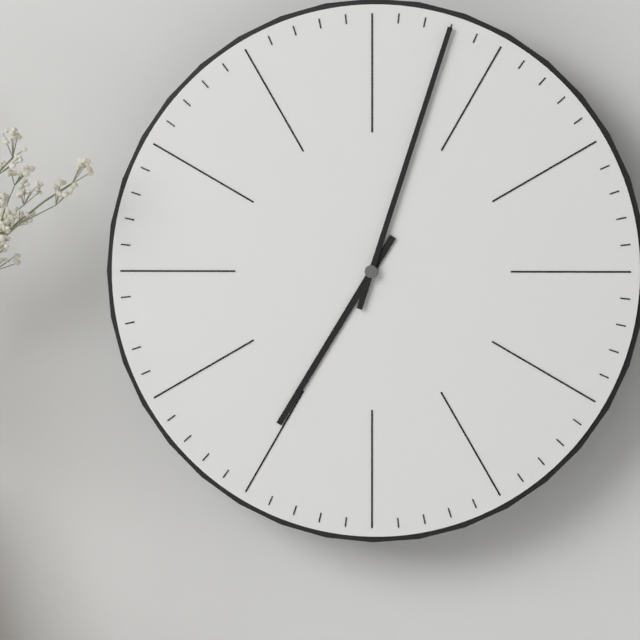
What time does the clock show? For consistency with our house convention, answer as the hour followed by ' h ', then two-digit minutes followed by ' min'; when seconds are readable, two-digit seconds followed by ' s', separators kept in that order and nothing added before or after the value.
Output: 7 h 03 min
